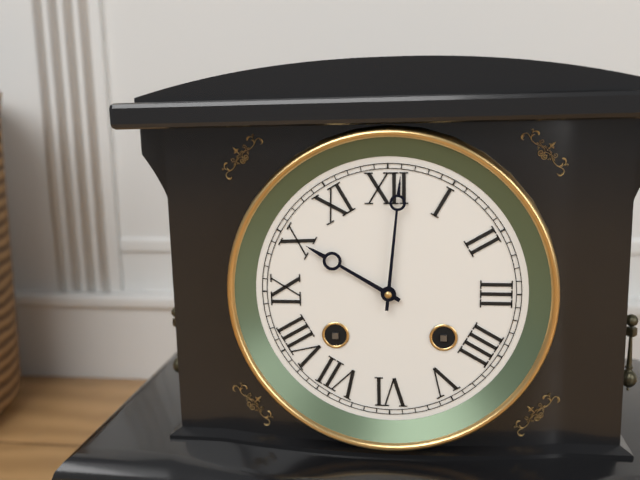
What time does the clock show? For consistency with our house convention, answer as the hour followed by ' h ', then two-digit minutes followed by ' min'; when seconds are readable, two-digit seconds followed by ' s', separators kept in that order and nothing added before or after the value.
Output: 10 h 01 min
